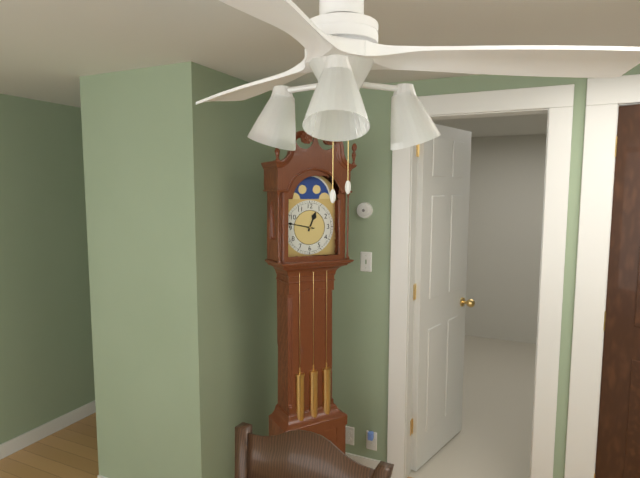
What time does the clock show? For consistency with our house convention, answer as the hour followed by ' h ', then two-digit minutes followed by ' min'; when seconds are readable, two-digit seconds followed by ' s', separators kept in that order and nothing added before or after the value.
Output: 12 h 47 min
